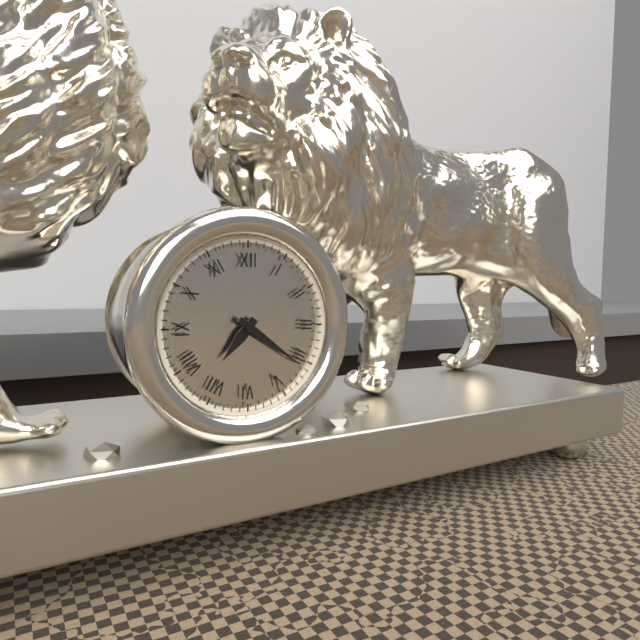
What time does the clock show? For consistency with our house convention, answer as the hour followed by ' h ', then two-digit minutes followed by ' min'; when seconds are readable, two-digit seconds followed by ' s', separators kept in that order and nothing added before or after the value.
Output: 7 h 21 min
